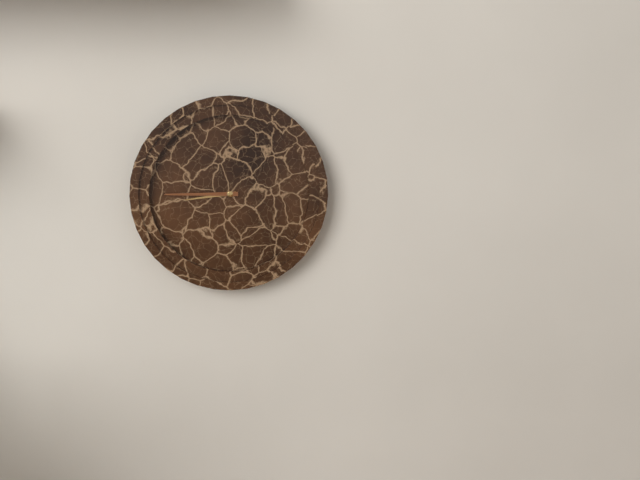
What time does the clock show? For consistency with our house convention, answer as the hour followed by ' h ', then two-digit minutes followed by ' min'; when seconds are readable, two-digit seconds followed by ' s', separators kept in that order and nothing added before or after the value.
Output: 8 h 45 min
